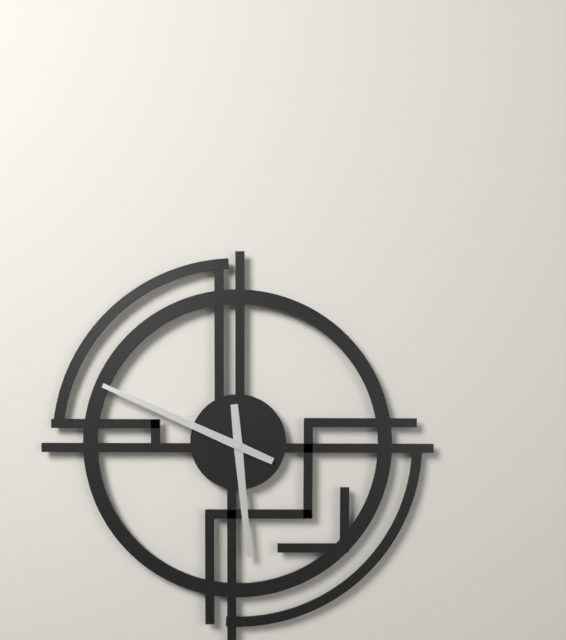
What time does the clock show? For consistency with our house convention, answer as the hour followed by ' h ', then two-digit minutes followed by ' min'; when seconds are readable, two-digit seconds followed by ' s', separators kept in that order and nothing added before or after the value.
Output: 5 h 49 min
